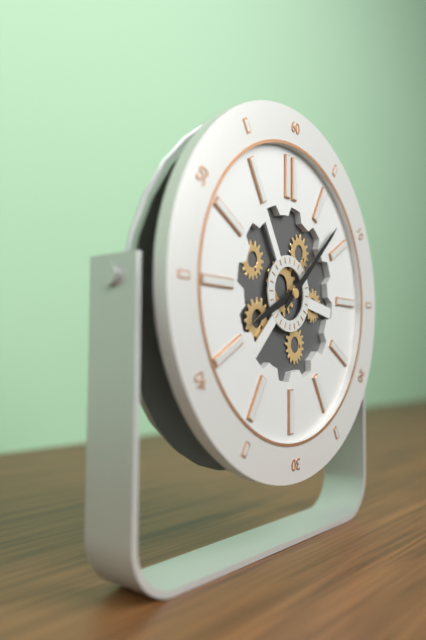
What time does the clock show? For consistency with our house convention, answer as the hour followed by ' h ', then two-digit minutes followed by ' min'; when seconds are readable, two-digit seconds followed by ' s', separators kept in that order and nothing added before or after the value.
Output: 8 h 08 min
